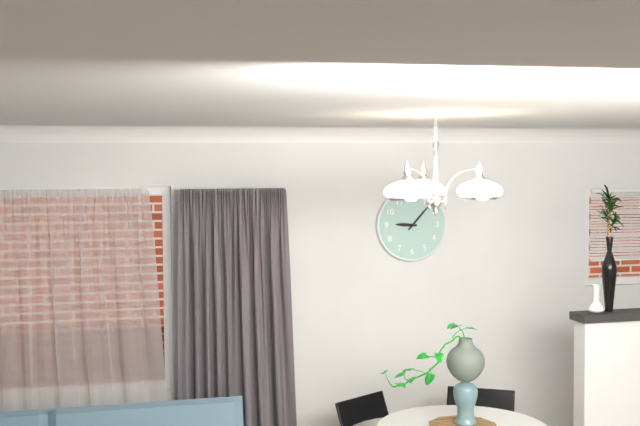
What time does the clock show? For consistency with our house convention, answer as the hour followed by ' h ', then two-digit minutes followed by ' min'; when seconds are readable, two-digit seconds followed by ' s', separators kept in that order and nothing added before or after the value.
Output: 9 h 07 min
